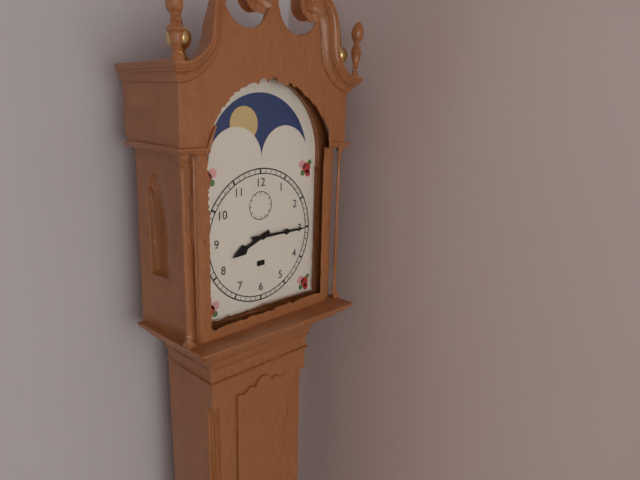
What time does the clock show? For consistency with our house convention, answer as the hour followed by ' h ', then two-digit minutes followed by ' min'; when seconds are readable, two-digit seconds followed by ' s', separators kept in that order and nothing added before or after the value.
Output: 8 h 15 min
